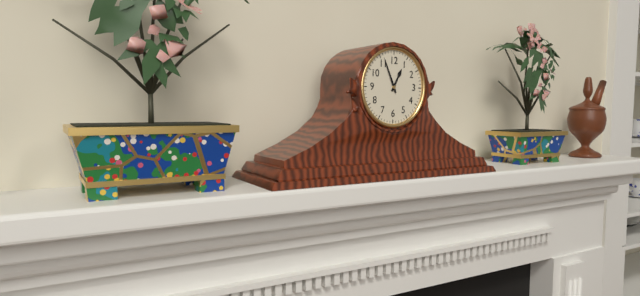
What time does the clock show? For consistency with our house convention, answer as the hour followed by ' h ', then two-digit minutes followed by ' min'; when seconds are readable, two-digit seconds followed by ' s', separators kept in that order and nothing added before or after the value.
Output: 12 h 56 min
